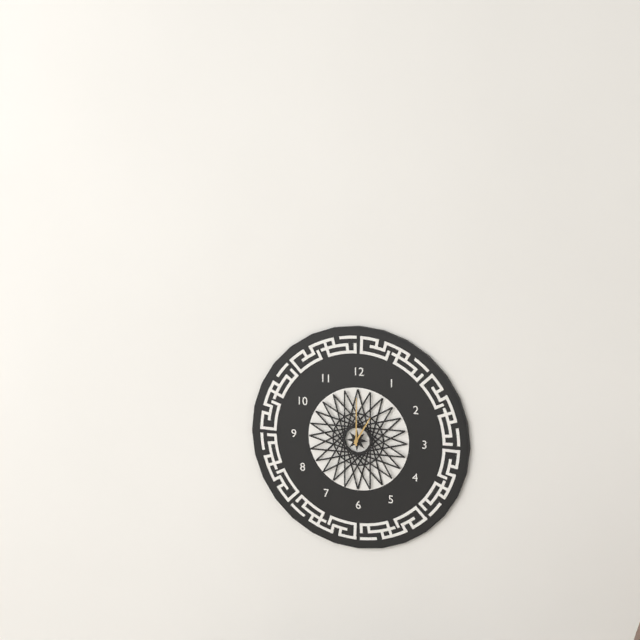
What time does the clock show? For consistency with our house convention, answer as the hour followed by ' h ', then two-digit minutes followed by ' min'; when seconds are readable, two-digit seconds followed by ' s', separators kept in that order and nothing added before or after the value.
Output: 1 h 00 min
